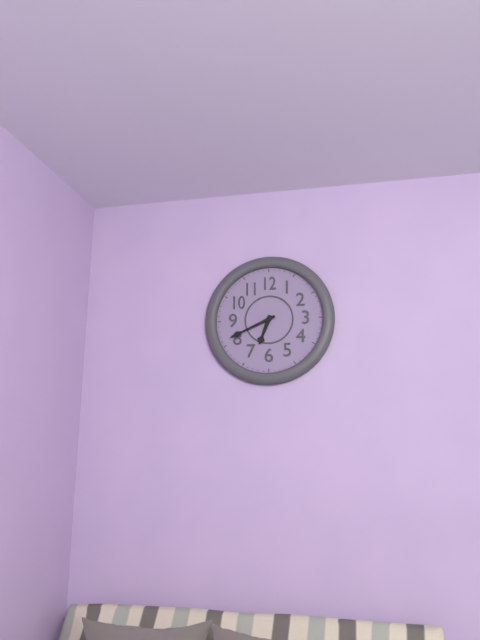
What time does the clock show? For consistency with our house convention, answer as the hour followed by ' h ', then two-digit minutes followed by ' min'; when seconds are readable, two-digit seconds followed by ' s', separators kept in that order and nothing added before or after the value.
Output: 6 h 41 min
